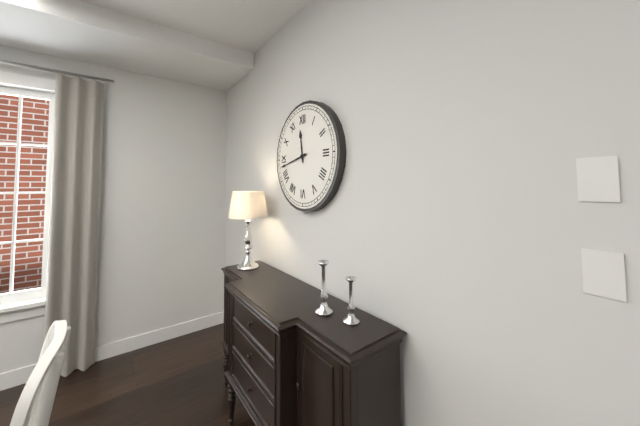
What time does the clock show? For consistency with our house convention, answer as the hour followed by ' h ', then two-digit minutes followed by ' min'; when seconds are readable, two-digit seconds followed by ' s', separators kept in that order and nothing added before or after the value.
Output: 11 h 43 min
